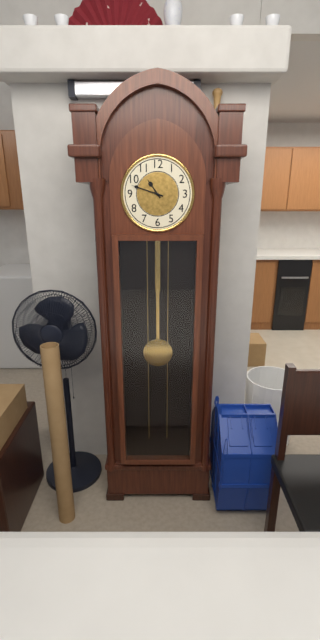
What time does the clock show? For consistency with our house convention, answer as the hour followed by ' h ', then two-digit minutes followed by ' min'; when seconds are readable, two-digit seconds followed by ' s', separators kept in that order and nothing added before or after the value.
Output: 10 h 48 min
